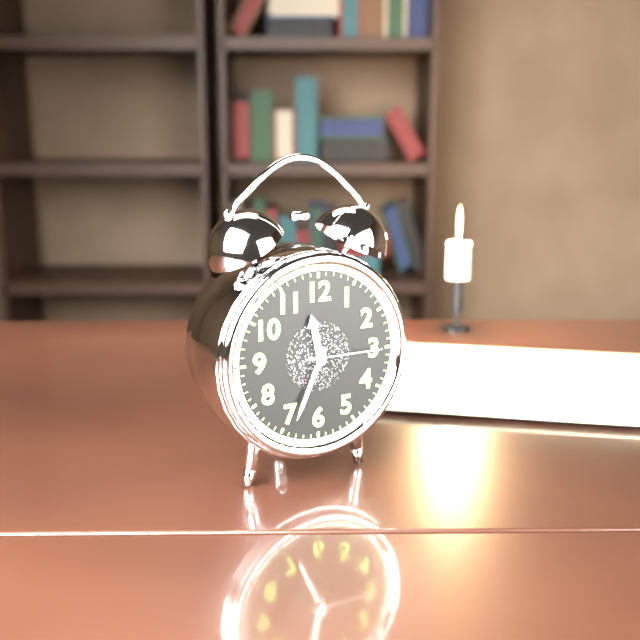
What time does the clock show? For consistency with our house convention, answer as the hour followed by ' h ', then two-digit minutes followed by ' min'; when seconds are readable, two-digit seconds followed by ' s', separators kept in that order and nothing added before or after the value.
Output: 11 h 34 min 15 s
